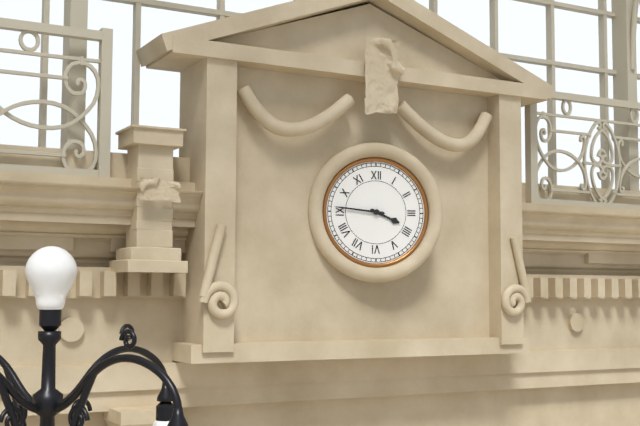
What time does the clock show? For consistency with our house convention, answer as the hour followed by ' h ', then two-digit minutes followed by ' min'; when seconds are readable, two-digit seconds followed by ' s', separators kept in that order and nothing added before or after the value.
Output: 3 h 46 min
